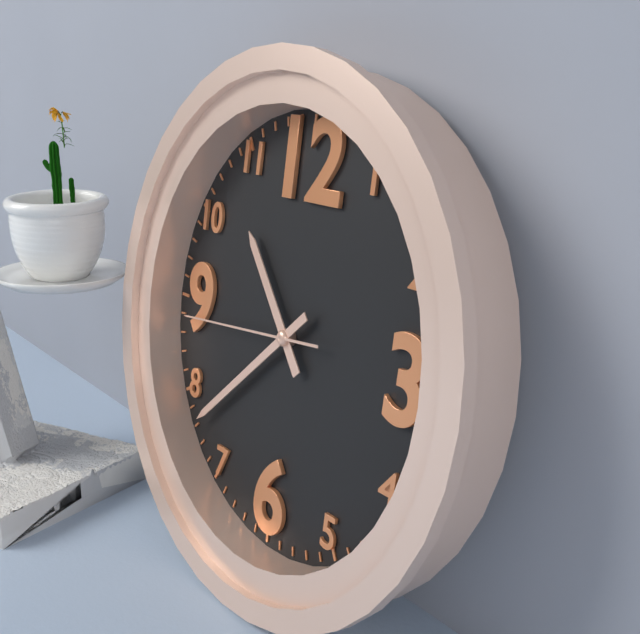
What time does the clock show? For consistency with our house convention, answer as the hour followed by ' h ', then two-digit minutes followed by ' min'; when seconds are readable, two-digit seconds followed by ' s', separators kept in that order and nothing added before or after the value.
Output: 10 h 38 min 44 s
